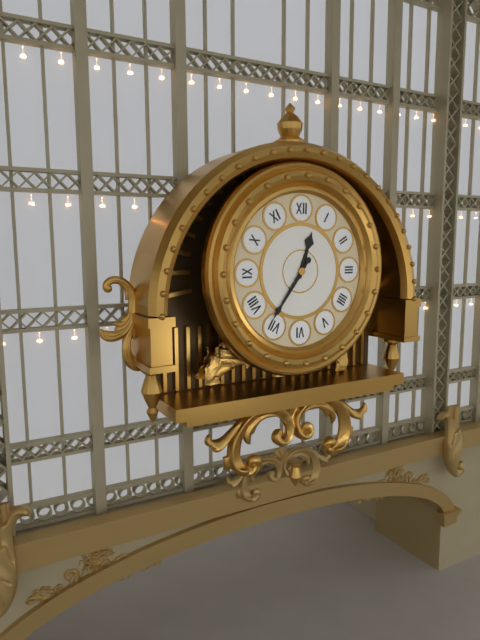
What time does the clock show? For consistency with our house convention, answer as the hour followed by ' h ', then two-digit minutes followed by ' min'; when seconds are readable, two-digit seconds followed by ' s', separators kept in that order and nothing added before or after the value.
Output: 12 h 36 min
